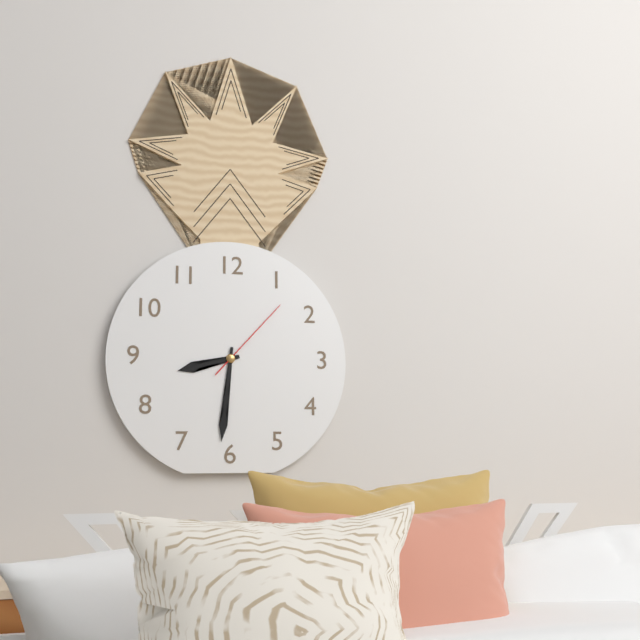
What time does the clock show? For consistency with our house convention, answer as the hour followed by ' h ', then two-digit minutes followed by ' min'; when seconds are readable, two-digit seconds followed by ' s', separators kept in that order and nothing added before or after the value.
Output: 8 h 31 min 07 s
